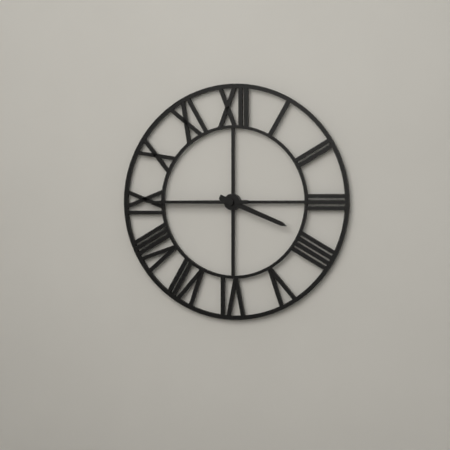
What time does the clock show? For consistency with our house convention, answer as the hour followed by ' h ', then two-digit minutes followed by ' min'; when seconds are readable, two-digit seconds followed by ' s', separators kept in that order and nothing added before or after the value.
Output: 3 h 45 min
